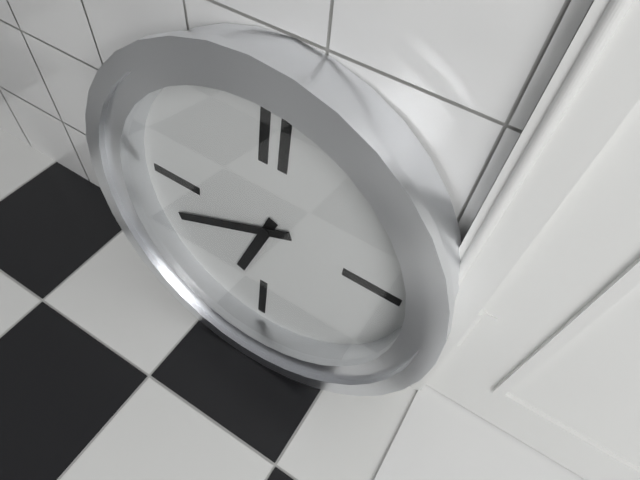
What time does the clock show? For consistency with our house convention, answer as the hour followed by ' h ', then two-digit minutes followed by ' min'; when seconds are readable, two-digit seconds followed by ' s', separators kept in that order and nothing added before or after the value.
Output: 6 h 41 min
